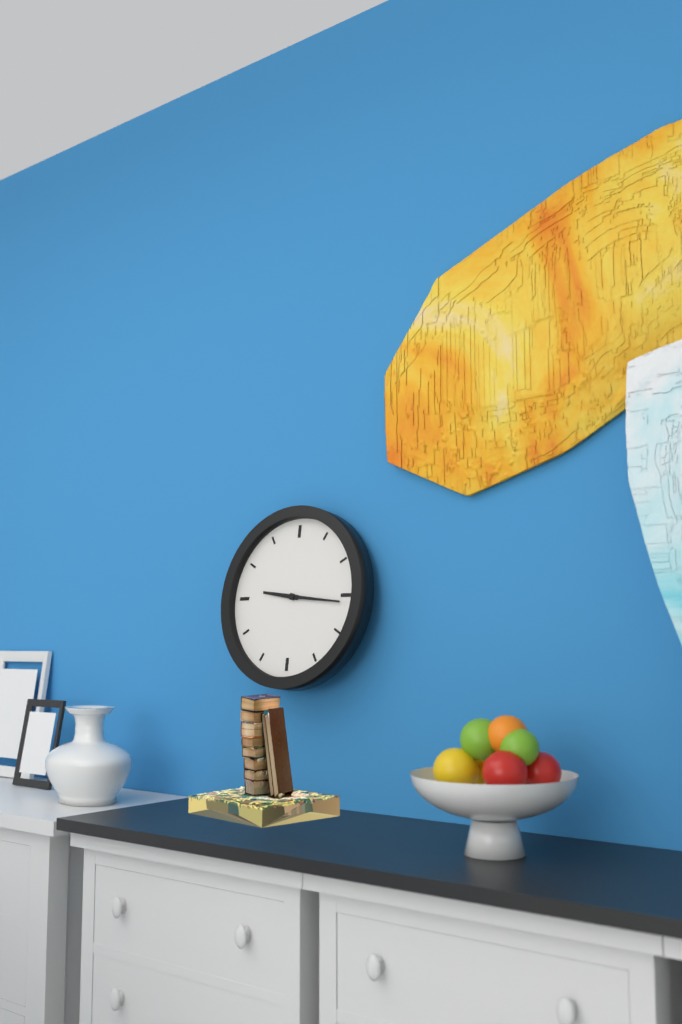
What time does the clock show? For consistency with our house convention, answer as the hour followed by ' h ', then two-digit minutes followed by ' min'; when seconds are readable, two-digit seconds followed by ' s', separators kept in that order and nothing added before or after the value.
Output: 9 h 16 min
